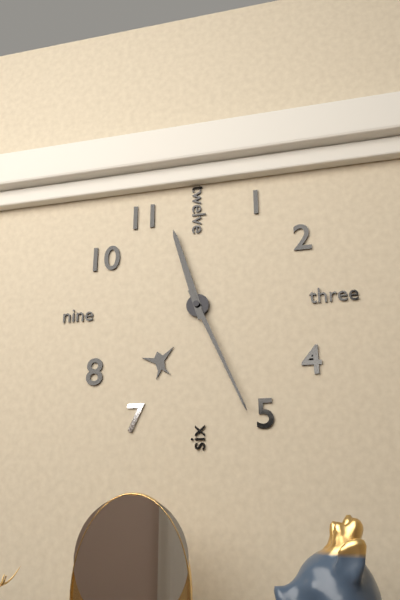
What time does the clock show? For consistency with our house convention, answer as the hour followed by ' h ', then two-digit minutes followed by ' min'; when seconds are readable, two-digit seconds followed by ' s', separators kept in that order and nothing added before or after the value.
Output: 11 h 26 min
